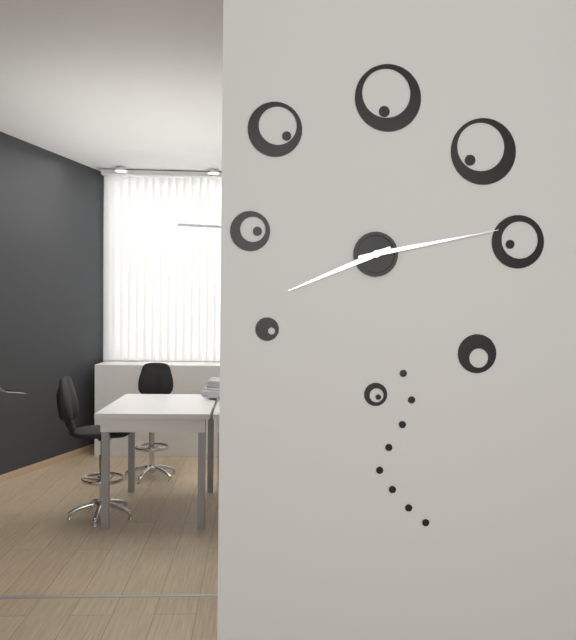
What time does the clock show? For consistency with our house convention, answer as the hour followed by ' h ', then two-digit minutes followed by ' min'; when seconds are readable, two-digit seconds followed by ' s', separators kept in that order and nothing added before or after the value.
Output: 8 h 13 min
